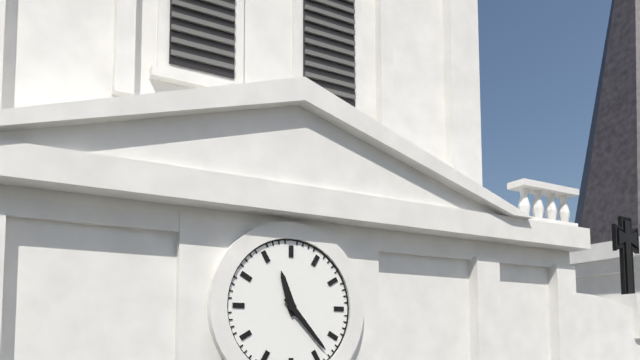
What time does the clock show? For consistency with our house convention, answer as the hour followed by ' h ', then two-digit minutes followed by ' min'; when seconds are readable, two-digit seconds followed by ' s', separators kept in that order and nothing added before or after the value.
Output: 11 h 23 min
